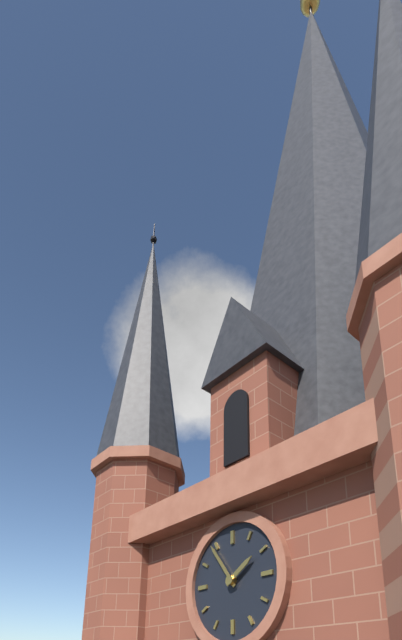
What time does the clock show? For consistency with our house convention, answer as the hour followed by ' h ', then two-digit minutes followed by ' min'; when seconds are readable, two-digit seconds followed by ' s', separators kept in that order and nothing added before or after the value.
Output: 1 h 54 min
